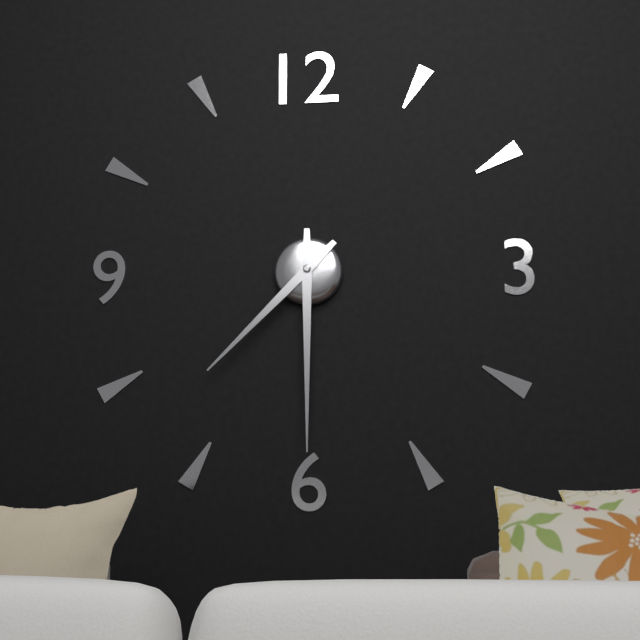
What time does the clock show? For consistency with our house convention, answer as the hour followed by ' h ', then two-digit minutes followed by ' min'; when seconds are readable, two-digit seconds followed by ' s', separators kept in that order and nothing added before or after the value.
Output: 7 h 30 min
